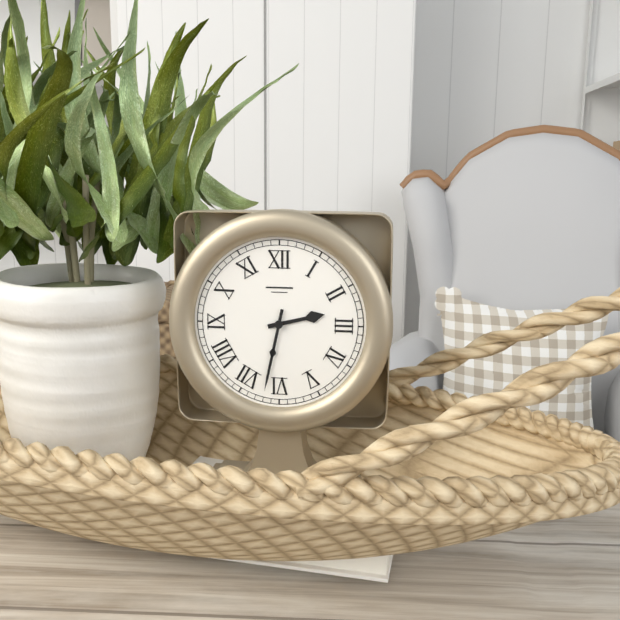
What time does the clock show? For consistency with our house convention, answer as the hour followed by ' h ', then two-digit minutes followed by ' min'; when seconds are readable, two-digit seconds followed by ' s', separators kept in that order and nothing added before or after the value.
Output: 2 h 32 min
